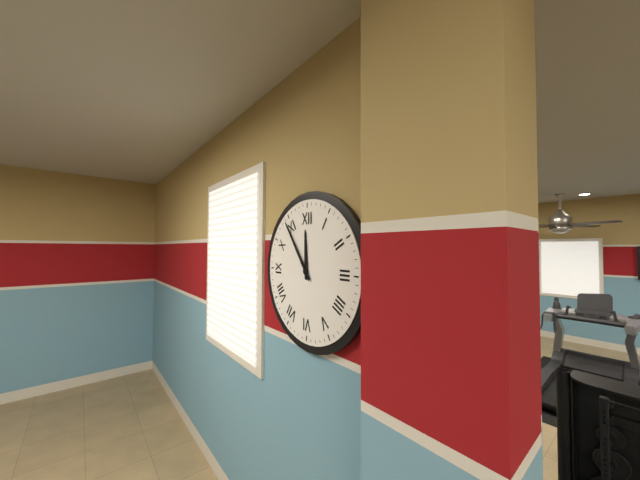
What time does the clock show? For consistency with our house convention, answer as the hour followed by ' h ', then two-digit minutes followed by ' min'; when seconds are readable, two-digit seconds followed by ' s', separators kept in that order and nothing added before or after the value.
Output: 11 h 54 min
